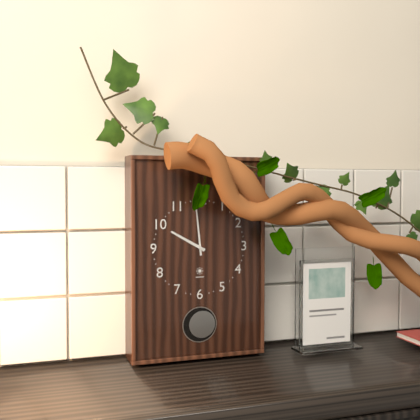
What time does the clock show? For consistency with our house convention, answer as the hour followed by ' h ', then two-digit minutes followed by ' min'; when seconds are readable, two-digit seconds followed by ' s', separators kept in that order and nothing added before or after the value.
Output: 9 h 59 min
